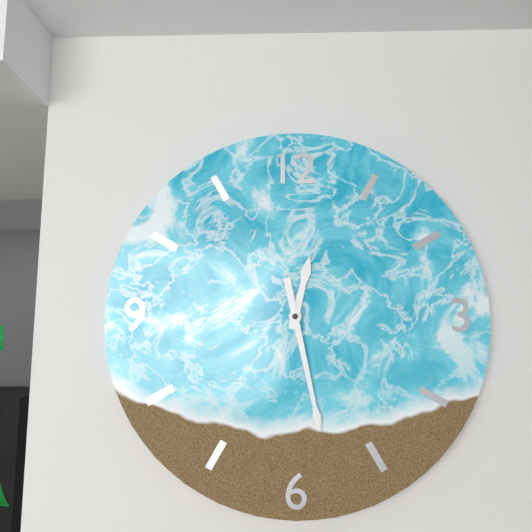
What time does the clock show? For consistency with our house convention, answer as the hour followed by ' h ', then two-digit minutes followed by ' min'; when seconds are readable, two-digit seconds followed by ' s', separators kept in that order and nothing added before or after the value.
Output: 12 h 28 min
